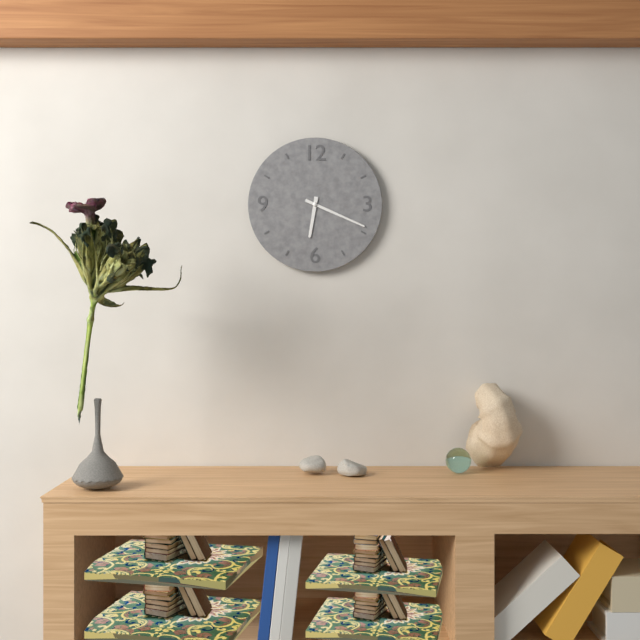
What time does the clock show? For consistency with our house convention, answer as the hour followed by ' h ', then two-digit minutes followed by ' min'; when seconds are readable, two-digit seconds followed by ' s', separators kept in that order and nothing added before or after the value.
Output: 6 h 19 min
